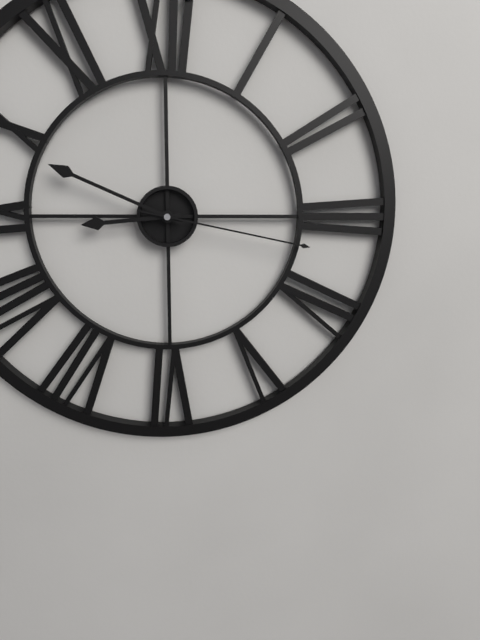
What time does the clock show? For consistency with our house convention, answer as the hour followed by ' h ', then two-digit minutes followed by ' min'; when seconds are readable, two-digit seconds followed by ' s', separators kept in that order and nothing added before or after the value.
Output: 8 h 49 min 17 s
